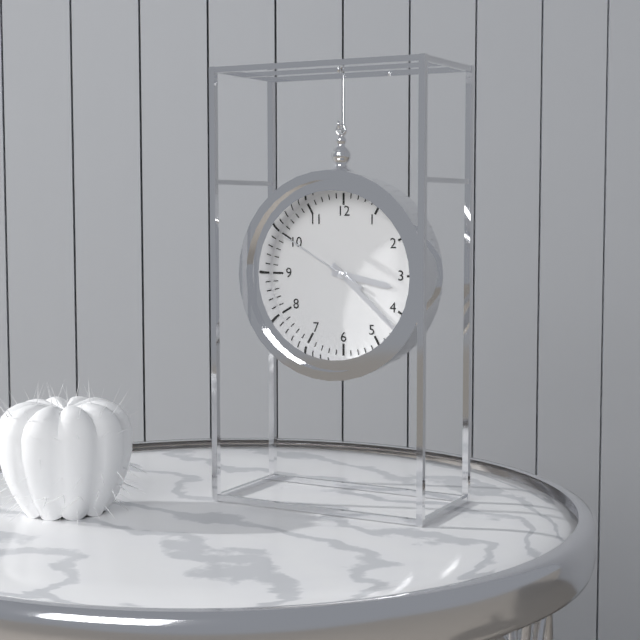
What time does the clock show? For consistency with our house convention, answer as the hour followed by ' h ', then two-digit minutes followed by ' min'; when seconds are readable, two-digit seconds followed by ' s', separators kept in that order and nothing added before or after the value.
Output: 3 h 22 min 50 s
